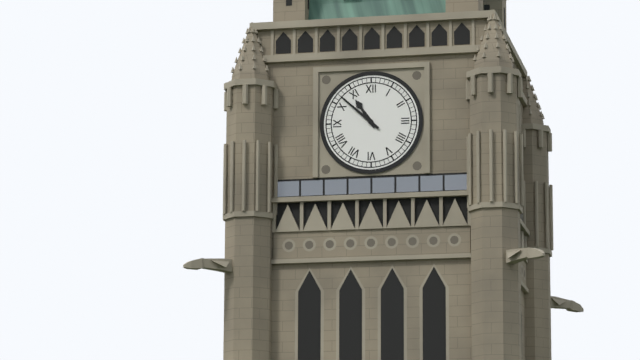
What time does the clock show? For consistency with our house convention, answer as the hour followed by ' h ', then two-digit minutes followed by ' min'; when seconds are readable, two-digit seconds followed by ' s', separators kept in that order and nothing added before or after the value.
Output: 10 h 52 min
